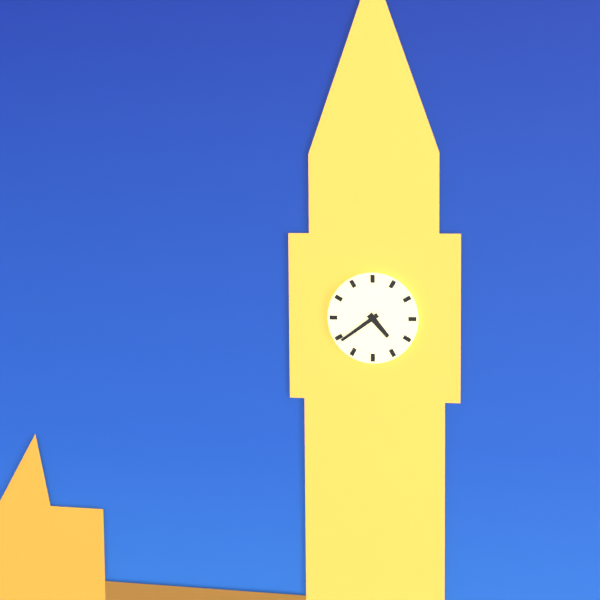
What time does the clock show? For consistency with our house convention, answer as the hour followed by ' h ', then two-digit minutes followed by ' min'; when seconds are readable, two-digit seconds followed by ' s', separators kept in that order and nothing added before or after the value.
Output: 4 h 39 min
